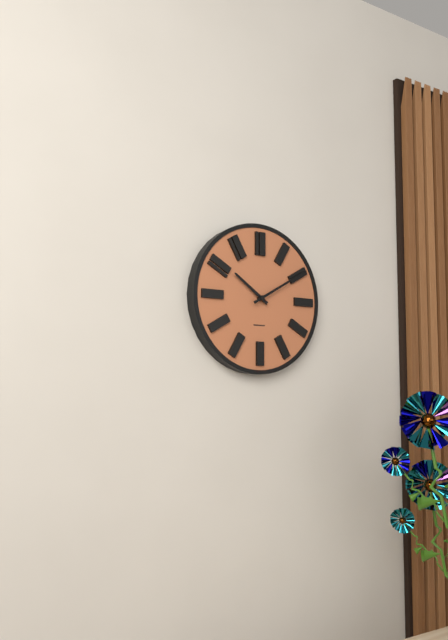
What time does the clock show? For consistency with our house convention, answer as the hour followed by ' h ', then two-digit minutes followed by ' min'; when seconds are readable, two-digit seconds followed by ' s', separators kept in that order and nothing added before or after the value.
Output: 10 h 10 min
